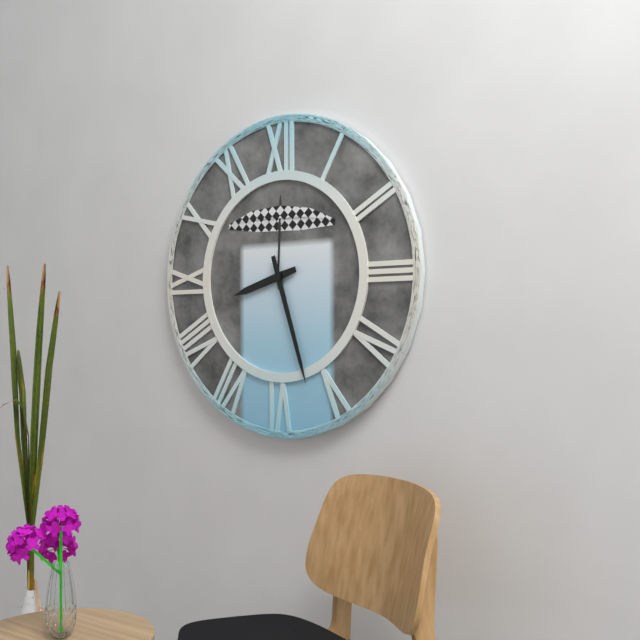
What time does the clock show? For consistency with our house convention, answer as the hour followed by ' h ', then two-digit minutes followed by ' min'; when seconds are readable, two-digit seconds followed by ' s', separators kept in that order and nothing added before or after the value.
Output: 8 h 27 min
